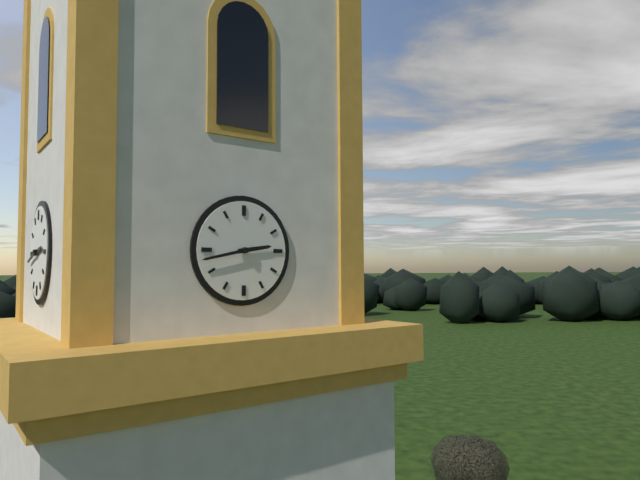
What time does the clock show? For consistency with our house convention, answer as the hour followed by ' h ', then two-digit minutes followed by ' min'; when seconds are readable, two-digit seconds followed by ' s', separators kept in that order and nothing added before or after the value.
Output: 2 h 43 min
